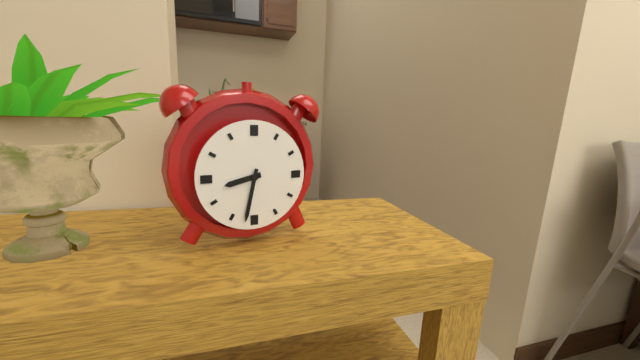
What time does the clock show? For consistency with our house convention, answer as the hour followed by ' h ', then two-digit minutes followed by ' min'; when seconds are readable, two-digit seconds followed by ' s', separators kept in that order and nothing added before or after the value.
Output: 8 h 32 min
